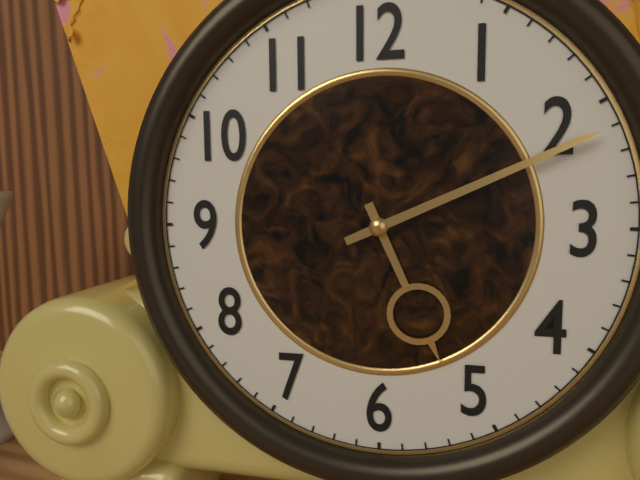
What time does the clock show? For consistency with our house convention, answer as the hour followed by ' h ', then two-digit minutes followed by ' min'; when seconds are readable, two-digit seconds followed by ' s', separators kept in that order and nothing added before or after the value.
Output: 5 h 11 min
